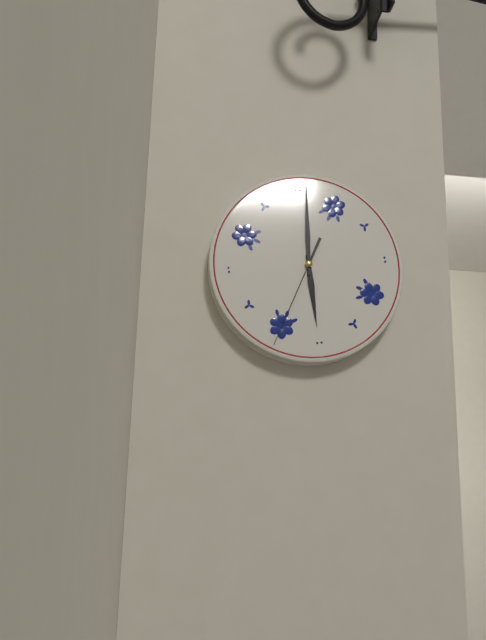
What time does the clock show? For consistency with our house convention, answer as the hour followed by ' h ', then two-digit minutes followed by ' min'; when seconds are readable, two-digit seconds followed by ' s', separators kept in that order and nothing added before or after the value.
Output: 6 h 01 min 35 s
